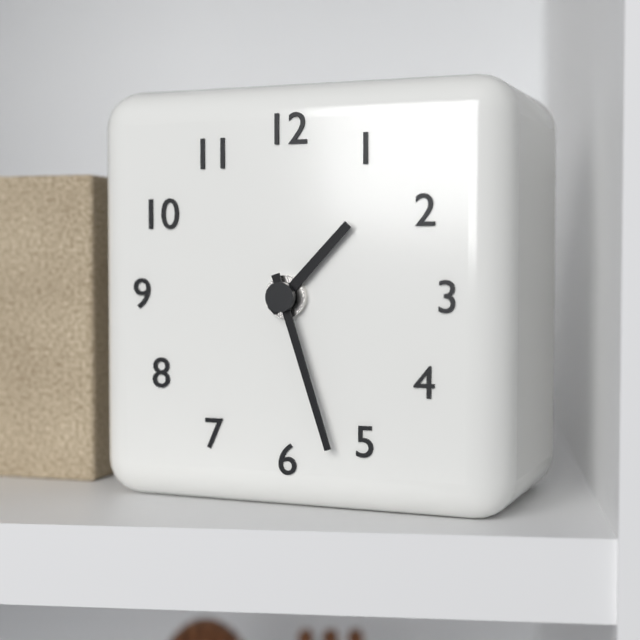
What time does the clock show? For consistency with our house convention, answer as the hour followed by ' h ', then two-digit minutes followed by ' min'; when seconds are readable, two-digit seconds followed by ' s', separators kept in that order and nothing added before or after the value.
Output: 1 h 27 min
